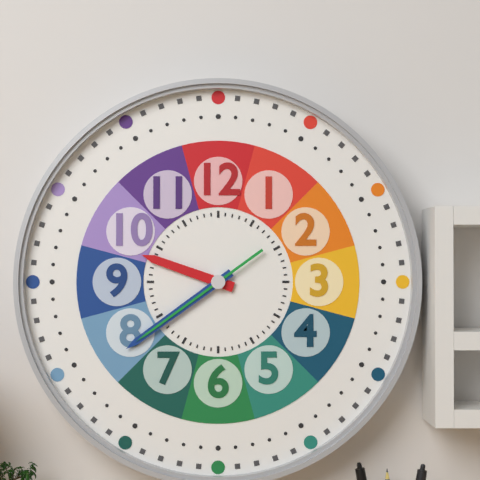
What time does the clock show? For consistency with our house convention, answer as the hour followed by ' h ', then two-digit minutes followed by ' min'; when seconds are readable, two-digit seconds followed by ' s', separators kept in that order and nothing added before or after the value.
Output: 9 h 39 min 39 s
